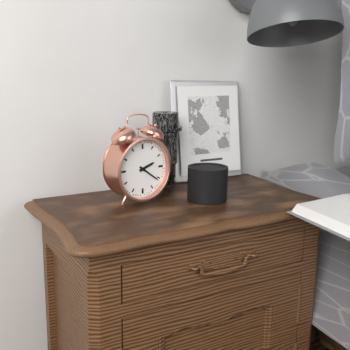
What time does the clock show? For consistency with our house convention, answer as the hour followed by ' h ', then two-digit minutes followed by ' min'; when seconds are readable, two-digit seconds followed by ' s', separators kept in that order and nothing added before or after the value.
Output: 2 h 21 min
